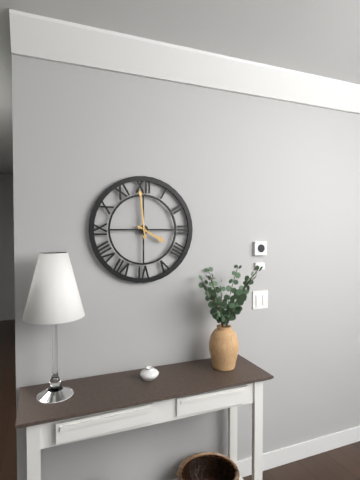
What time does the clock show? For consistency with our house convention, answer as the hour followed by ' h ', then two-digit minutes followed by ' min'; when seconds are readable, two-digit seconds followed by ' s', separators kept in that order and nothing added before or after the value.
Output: 3 h 59 min
